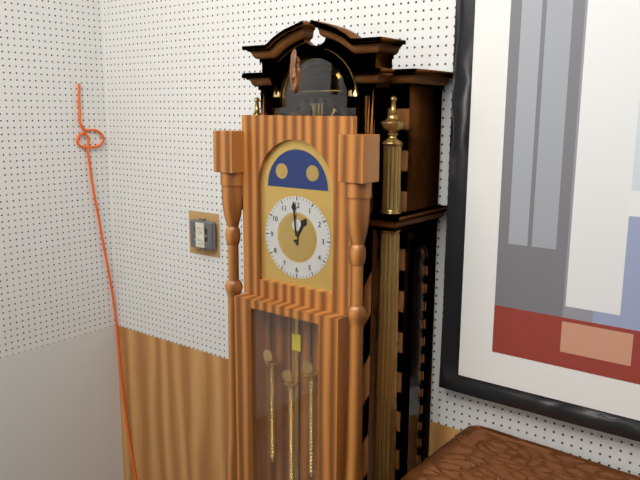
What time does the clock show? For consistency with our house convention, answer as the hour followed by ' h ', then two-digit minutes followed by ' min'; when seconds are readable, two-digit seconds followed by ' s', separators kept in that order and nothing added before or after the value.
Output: 12 h 59 min
